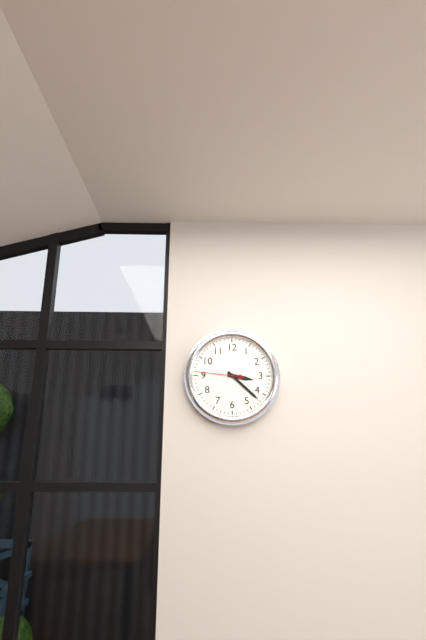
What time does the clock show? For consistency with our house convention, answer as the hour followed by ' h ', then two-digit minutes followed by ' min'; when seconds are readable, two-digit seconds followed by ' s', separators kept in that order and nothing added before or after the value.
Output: 3 h 22 min
